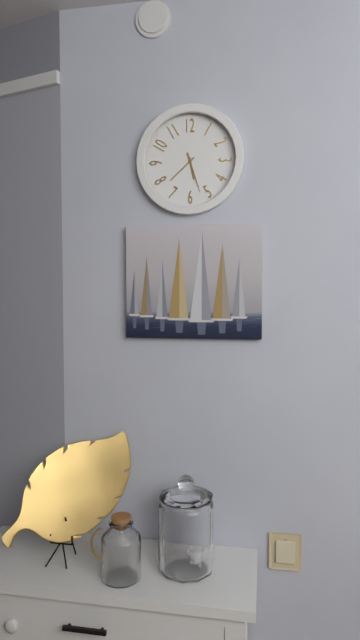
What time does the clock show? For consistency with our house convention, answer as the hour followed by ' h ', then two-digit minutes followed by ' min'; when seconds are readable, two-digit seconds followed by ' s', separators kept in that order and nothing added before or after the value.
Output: 5 h 38 min
